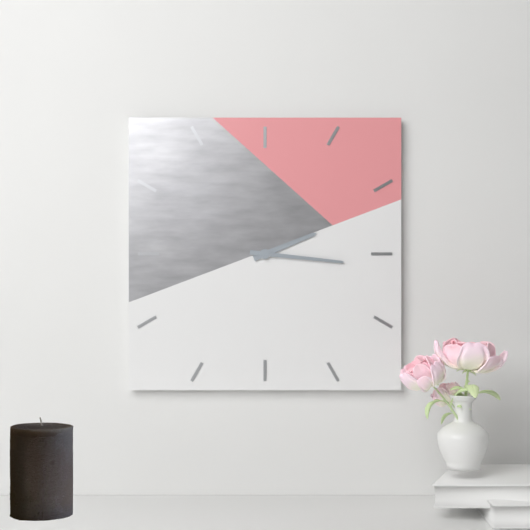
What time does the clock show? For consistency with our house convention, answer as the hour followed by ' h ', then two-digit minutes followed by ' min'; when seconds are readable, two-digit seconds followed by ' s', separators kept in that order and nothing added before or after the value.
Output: 2 h 16 min
